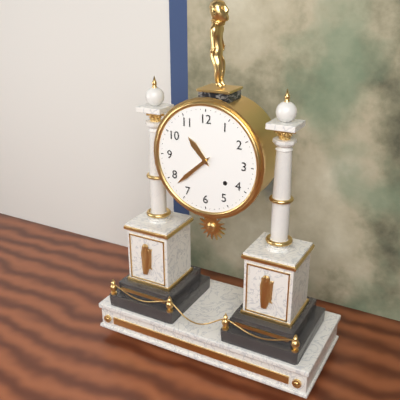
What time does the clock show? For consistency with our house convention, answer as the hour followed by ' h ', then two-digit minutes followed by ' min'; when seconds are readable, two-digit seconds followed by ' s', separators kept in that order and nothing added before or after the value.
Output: 10 h 38 min
